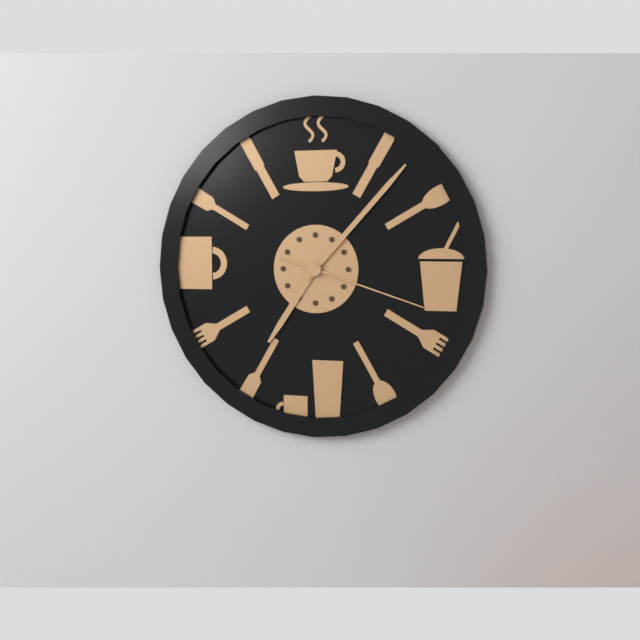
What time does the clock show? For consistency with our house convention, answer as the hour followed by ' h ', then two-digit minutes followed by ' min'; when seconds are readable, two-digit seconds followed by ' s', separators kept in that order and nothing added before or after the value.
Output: 7 h 07 min 18 s
